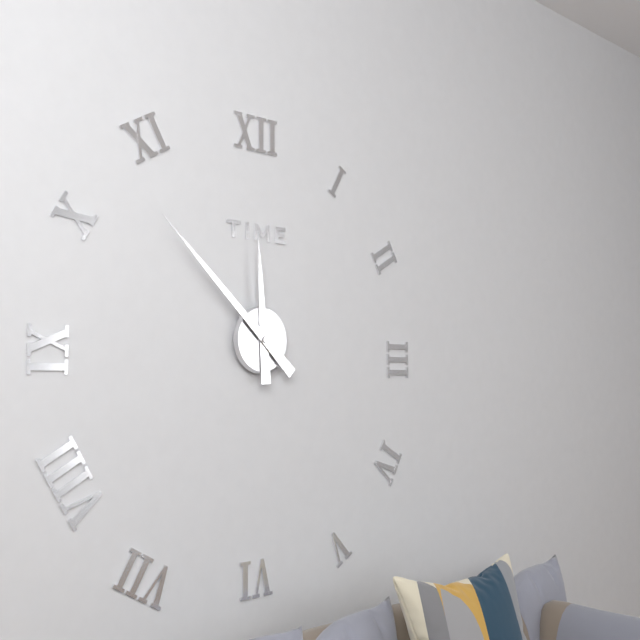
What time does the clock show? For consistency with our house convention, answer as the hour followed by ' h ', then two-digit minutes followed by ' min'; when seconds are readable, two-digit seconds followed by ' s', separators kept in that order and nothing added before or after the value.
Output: 11 h 52 min
